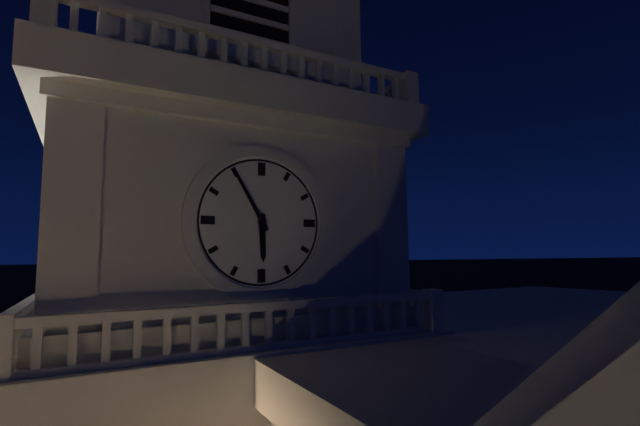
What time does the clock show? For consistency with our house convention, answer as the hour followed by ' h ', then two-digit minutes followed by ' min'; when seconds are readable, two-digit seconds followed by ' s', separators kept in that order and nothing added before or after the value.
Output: 5 h 55 min
